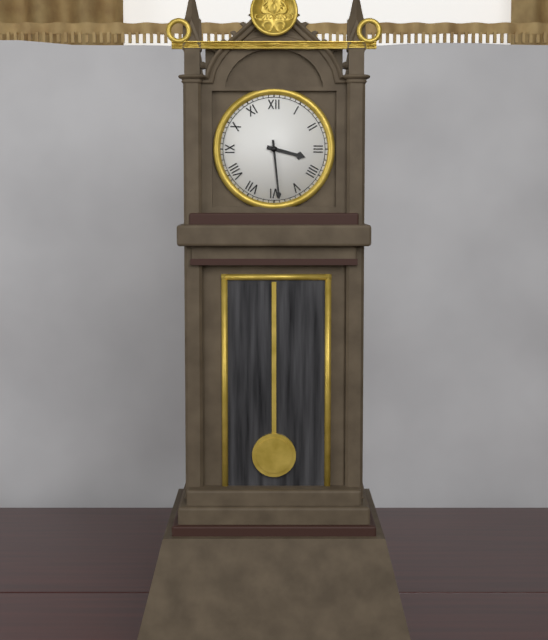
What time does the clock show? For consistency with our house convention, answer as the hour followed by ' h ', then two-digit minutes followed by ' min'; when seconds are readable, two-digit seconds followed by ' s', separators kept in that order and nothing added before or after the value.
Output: 3 h 29 min
